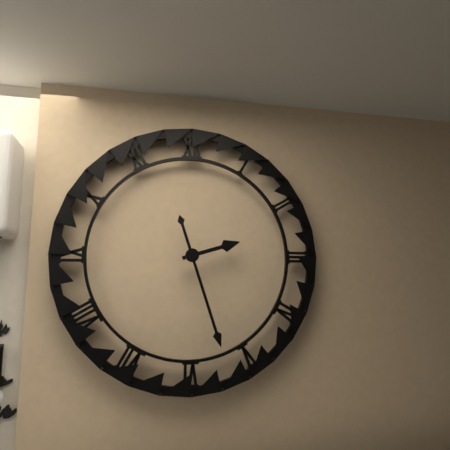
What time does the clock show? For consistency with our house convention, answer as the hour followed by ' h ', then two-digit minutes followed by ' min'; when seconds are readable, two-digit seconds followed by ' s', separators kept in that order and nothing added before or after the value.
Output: 2 h 27 min
